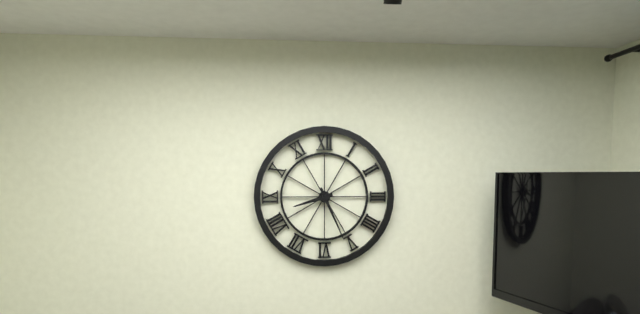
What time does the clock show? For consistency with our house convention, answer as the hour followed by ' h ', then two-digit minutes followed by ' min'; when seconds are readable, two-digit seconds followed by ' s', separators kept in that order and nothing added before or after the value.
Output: 8 h 26 min
